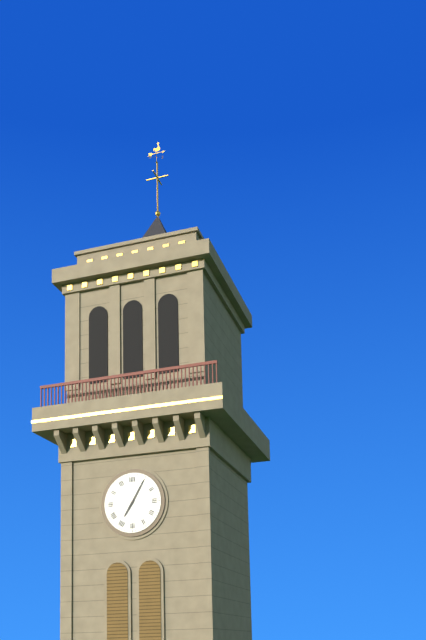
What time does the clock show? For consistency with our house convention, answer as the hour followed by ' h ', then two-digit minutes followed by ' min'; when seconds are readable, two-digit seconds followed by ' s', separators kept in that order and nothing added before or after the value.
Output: 7 h 05 min
